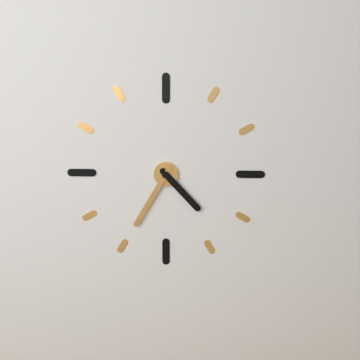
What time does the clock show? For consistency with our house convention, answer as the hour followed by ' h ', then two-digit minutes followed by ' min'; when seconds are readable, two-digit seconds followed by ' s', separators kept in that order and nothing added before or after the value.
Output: 4 h 35 min
